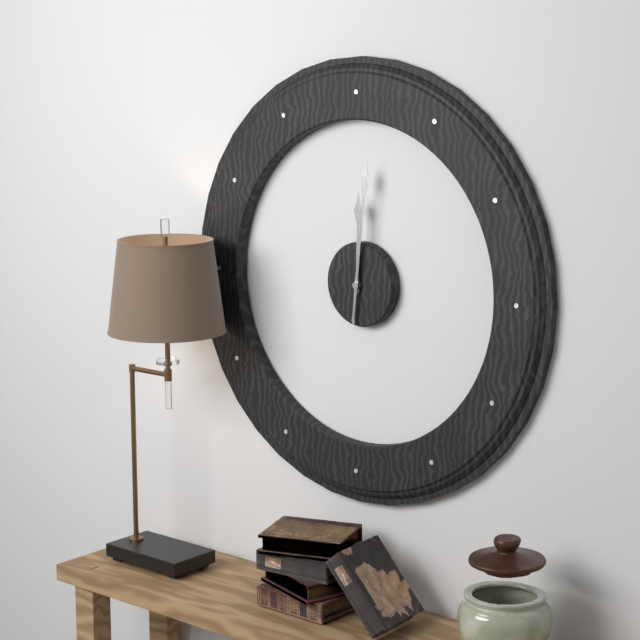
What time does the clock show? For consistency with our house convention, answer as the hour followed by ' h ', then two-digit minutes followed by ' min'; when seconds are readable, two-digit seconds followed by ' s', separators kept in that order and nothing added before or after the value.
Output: 12 h 01 min
